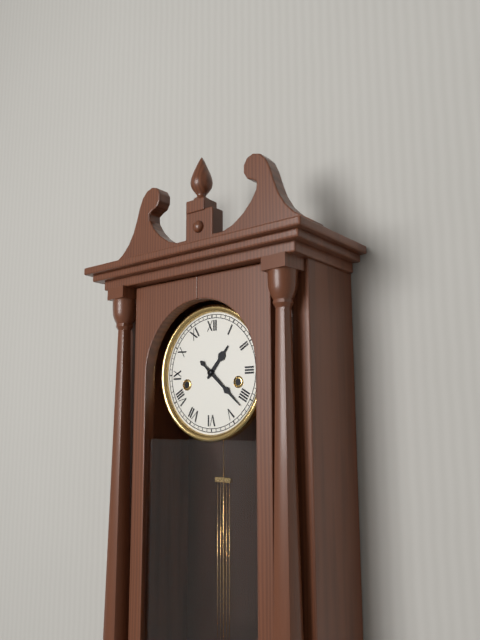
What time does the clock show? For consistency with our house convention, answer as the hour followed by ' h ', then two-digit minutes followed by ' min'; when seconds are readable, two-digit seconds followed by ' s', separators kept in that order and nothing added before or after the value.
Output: 1 h 22 min
